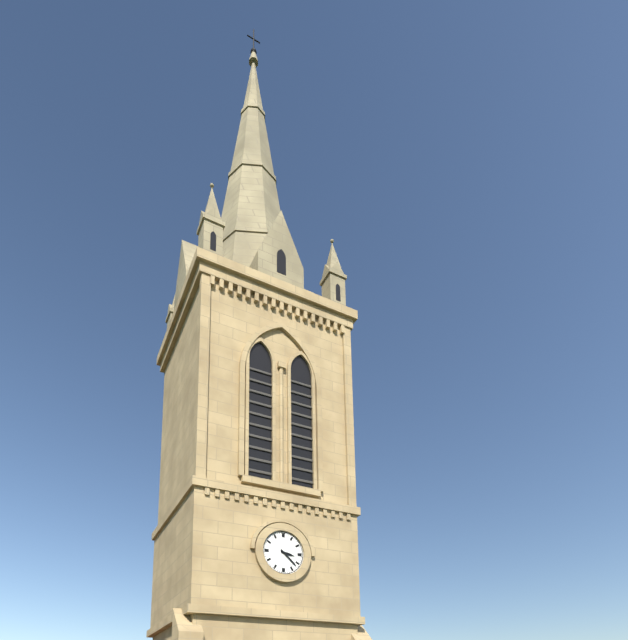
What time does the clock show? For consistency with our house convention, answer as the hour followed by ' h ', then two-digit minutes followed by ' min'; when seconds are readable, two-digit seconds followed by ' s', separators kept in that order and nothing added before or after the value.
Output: 3 h 22 min
